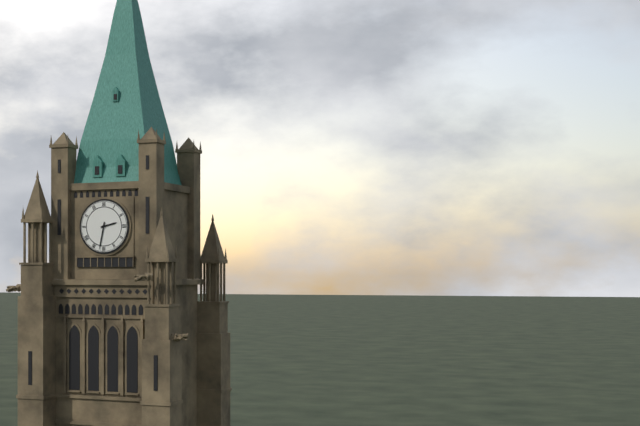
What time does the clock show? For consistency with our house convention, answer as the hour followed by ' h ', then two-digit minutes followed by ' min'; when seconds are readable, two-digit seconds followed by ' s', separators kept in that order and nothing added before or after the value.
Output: 2 h 32 min
